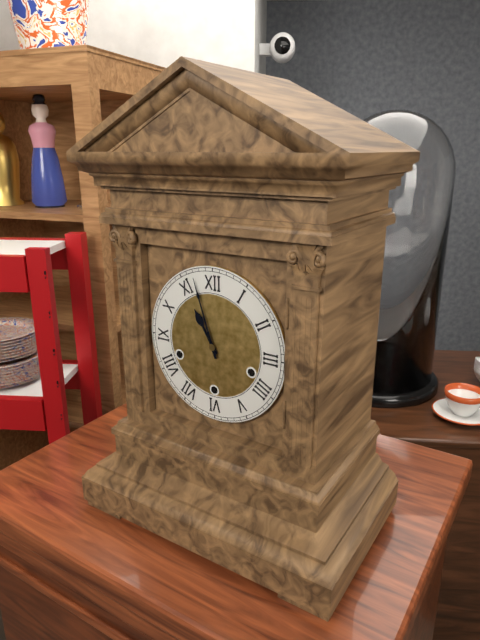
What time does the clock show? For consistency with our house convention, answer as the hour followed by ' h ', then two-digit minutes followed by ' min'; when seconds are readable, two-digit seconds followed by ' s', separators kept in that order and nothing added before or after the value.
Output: 10 h 57 min
